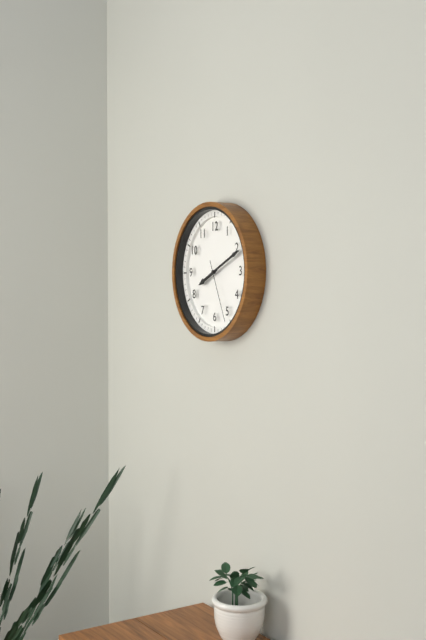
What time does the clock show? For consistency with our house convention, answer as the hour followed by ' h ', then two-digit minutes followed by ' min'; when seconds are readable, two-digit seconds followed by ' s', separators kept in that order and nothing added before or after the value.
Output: 8 h 11 min 26 s
